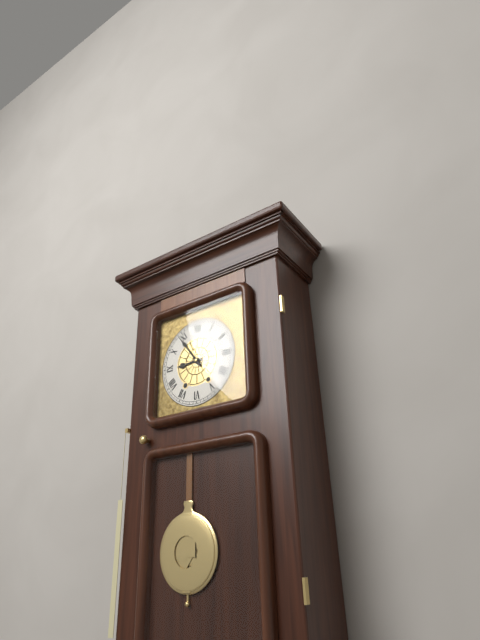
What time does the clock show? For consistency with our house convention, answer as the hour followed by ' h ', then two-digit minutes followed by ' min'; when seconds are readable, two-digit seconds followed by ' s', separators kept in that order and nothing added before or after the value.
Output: 8 h 54 min
